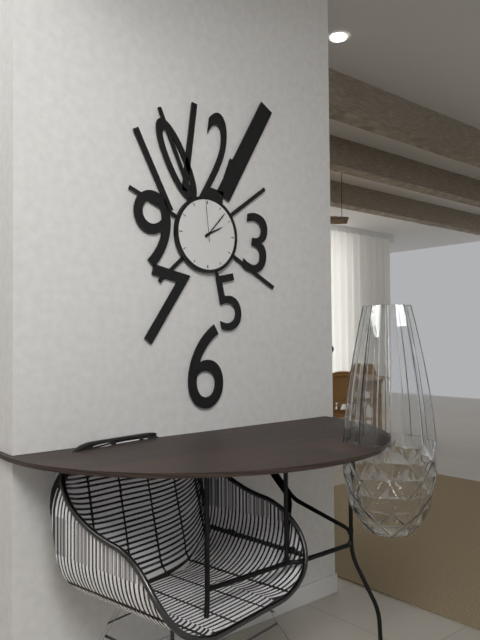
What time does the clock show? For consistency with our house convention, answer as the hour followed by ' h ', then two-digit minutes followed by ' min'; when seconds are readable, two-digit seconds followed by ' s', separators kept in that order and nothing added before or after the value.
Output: 2 h 07 min
